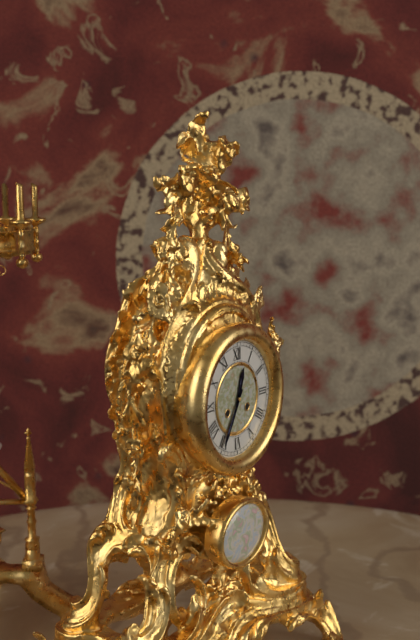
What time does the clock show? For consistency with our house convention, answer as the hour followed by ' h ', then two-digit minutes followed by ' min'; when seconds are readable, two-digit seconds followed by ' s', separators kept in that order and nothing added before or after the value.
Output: 12 h 35 min
